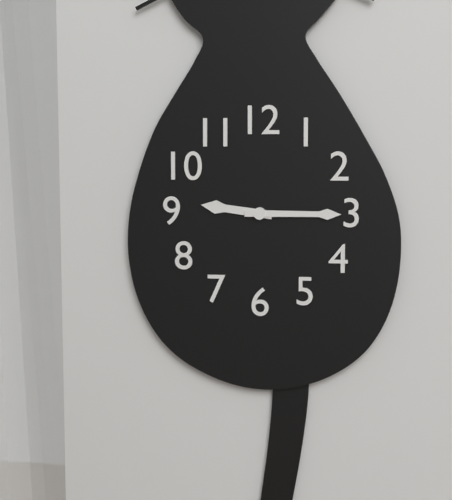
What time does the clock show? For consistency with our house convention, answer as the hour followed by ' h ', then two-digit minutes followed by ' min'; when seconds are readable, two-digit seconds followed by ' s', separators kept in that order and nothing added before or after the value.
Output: 9 h 15 min
